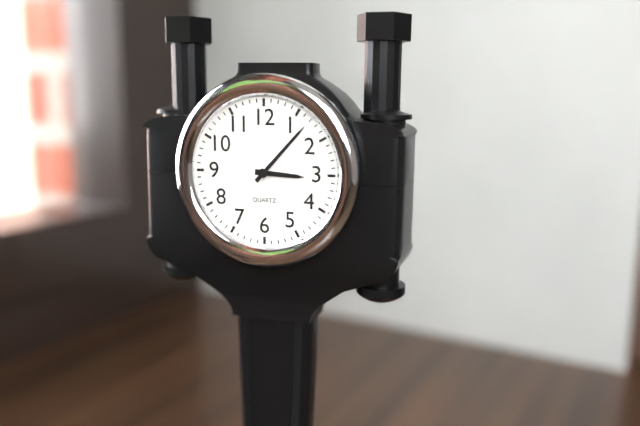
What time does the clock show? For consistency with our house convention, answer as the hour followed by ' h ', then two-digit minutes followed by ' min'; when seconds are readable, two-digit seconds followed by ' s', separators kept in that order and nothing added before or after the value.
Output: 3 h 07 min
